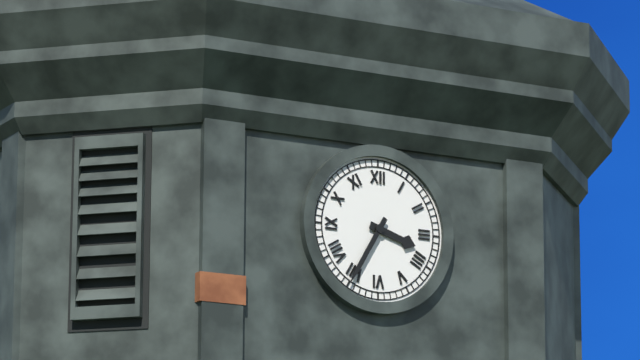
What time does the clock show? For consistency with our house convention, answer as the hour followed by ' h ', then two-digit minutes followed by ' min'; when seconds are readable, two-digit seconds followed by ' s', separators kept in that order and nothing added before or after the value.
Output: 3 h 35 min
